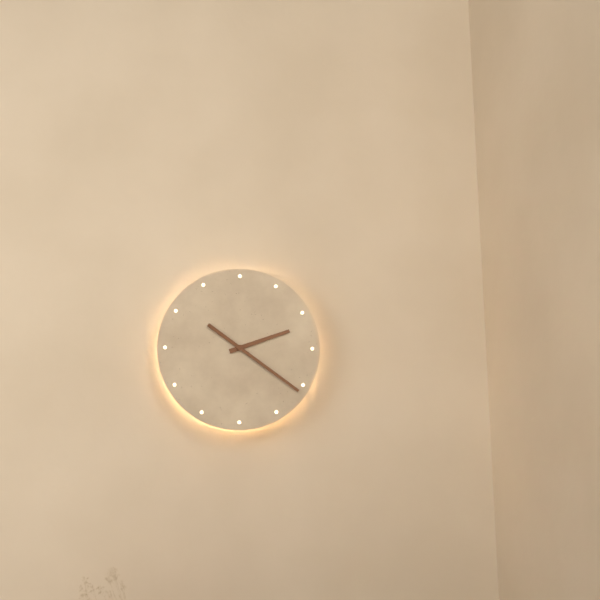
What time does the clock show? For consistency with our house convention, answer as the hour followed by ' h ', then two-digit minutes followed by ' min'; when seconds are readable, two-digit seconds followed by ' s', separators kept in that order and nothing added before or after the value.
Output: 2 h 21 min
